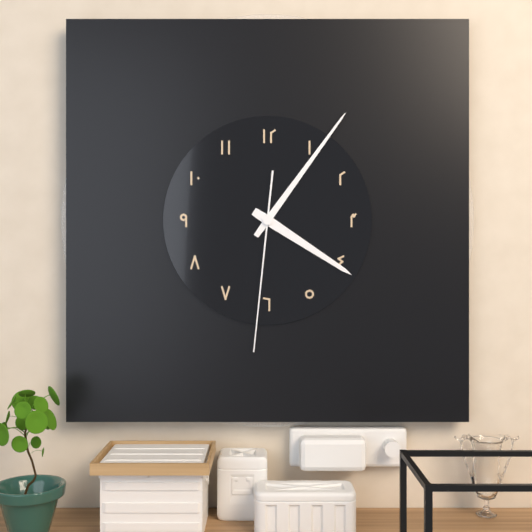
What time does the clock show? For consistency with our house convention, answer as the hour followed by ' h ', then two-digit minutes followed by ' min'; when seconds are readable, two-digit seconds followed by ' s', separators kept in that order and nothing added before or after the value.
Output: 4 h 06 min 31 s
